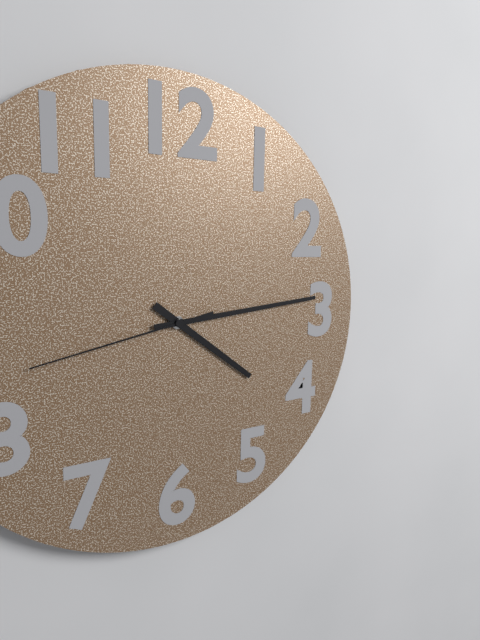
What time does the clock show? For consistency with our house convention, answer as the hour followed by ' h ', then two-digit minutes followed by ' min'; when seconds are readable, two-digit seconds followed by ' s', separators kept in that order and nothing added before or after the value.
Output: 4 h 14 min 43 s
